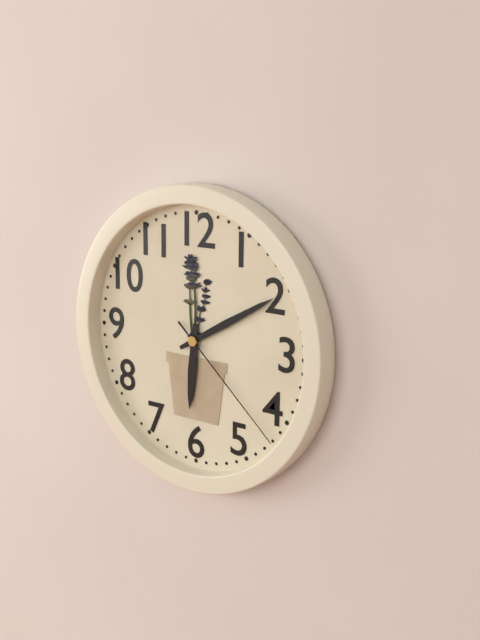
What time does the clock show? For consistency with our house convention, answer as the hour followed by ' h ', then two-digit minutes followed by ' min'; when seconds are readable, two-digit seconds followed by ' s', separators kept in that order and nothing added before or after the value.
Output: 6 h 10 min 22 s
